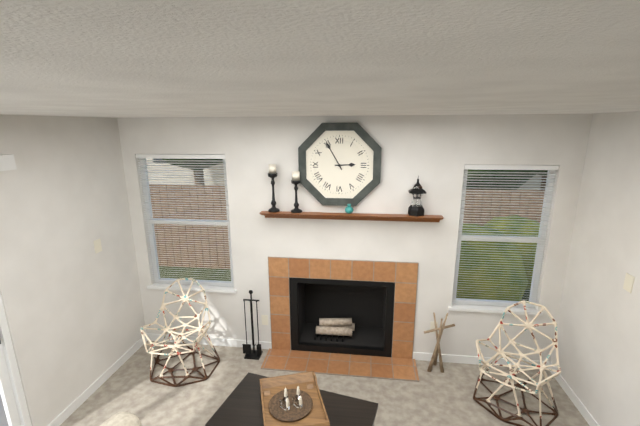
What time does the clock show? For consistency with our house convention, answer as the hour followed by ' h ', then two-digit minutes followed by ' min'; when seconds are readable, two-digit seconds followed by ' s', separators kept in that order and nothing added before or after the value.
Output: 2 h 55 min
